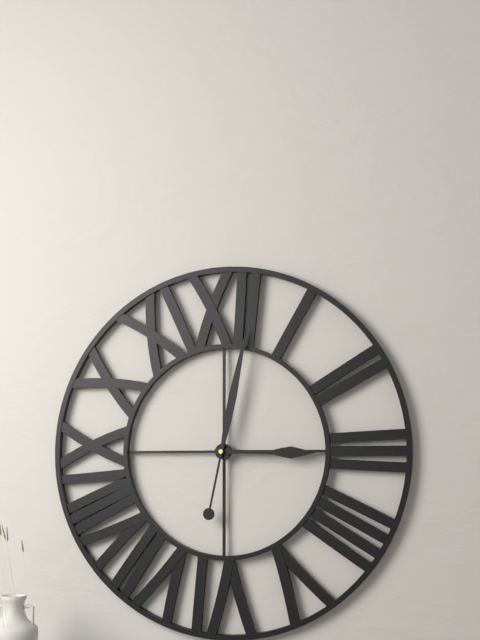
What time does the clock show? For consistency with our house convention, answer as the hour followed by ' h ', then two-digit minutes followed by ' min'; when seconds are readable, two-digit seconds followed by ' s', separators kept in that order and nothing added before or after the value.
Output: 3 h 02 min
